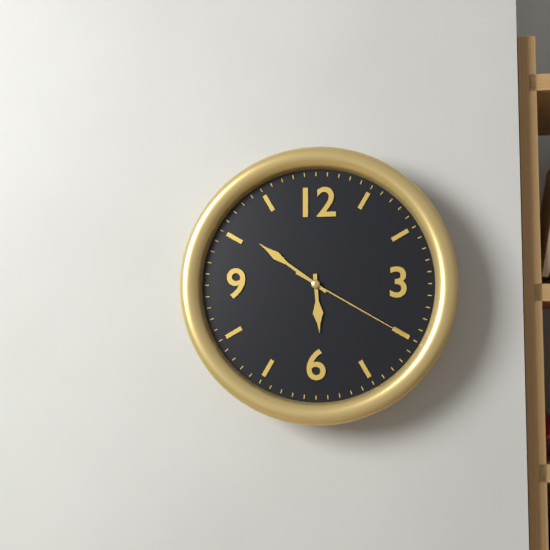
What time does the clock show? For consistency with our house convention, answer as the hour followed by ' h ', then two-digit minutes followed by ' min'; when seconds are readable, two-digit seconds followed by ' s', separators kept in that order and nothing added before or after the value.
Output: 5 h 51 min 20 s
